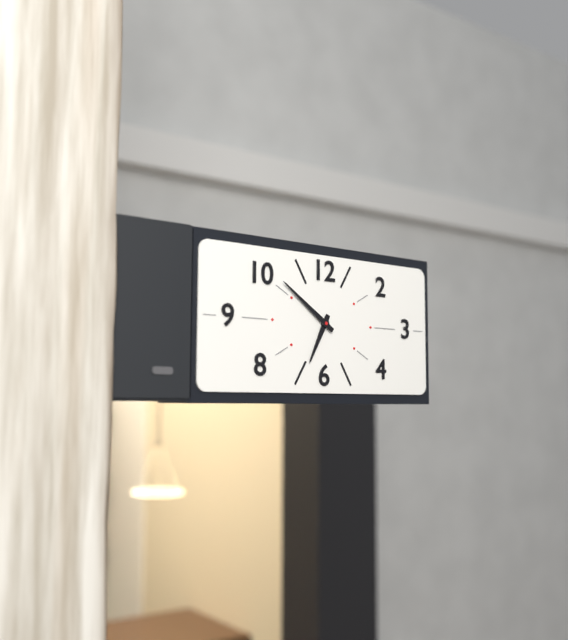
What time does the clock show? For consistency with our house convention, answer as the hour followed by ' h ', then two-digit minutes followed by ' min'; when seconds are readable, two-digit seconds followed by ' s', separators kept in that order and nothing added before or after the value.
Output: 6 h 51 min
